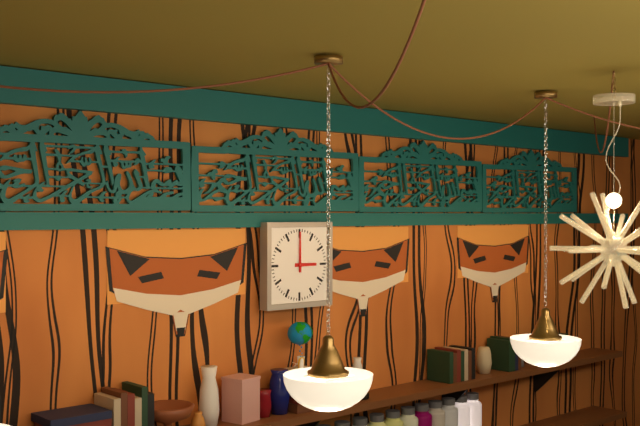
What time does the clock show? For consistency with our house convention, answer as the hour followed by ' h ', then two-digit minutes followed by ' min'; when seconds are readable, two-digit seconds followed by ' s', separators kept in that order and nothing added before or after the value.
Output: 3 h 00 min
